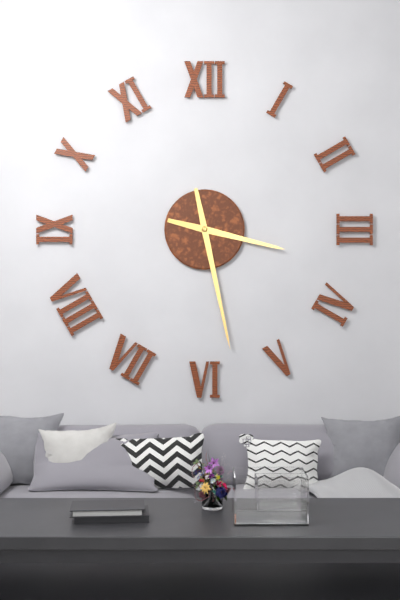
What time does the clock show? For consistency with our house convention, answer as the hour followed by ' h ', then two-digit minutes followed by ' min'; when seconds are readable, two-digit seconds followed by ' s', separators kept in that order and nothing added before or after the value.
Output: 3 h 28 min
